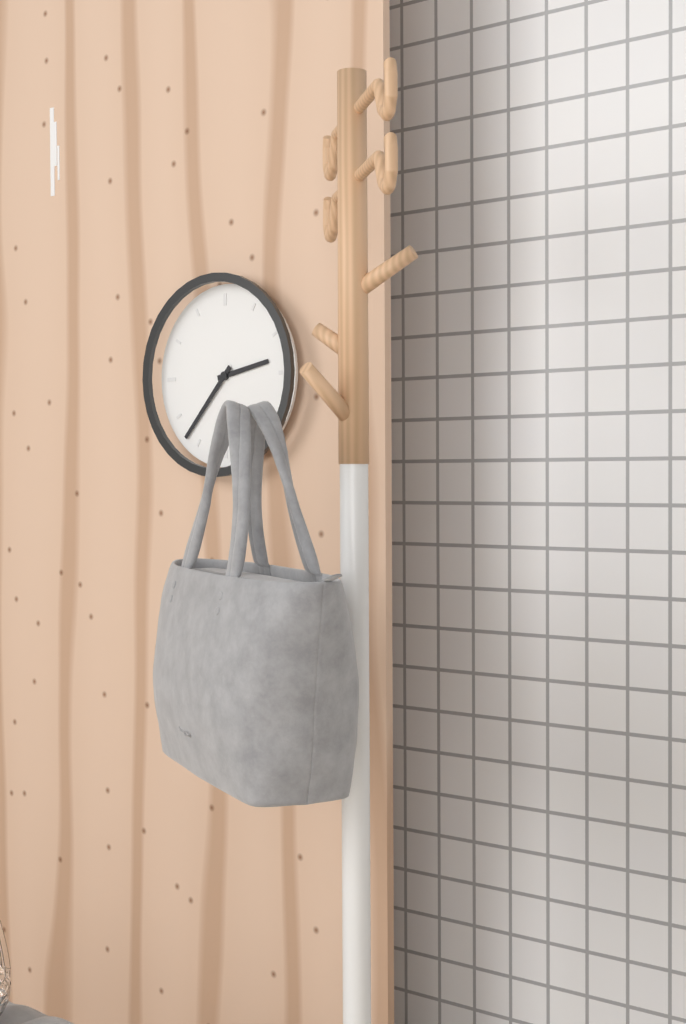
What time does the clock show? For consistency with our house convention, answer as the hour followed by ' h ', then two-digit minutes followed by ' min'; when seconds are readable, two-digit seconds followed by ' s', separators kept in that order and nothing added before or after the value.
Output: 2 h 37 min
